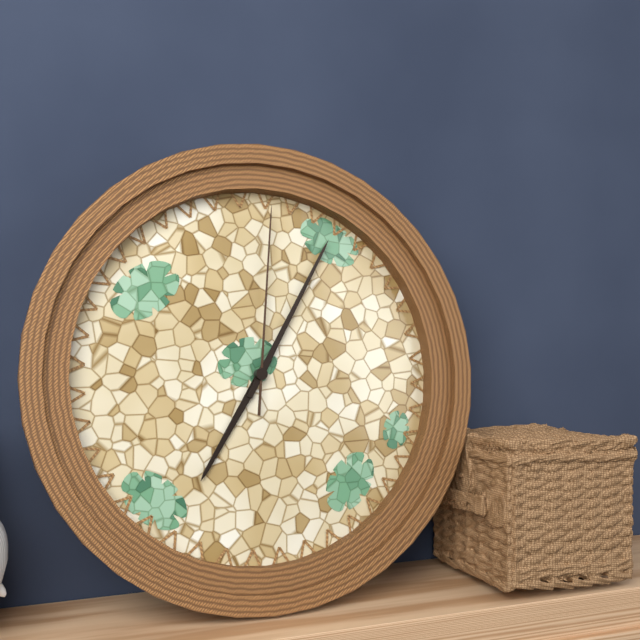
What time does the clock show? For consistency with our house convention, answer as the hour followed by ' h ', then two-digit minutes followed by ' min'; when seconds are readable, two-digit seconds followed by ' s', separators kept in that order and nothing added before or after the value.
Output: 7 h 05 min 01 s
